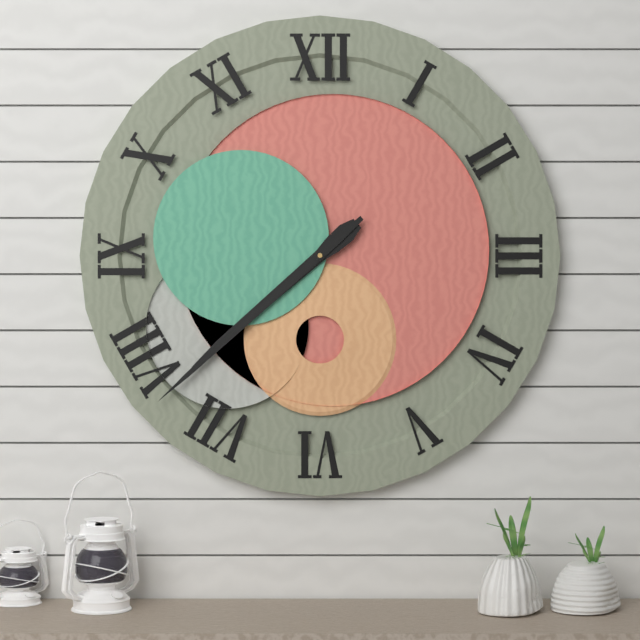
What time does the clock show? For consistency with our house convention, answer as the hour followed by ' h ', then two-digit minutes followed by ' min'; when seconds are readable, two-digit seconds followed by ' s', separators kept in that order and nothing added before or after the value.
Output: 7 h 38 min
